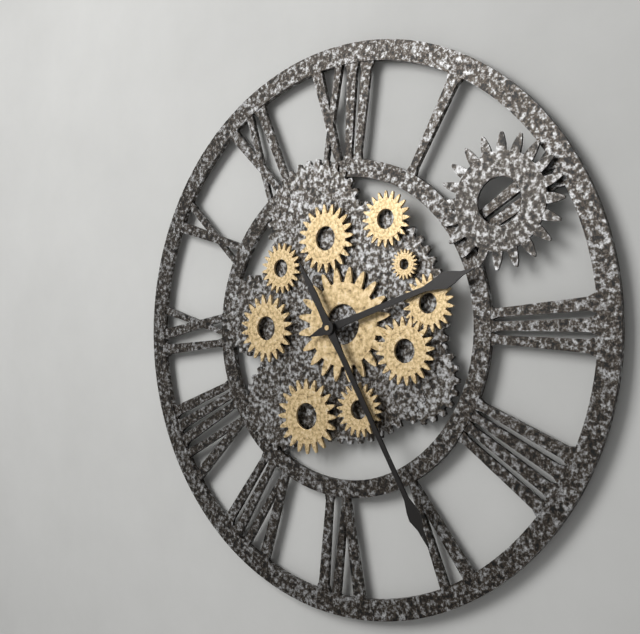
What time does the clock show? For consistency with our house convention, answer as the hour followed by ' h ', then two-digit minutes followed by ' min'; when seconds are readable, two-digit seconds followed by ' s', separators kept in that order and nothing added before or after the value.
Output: 2 h 25 min
